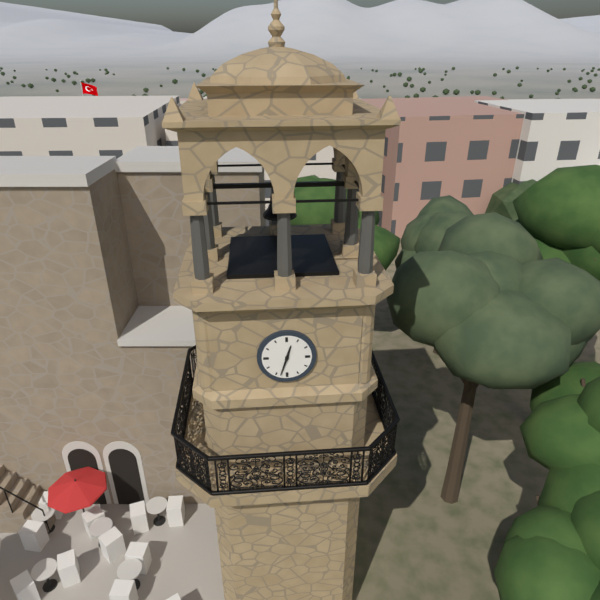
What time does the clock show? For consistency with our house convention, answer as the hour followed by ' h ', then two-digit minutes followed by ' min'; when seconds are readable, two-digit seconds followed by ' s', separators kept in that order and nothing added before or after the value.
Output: 12 h 33 min
